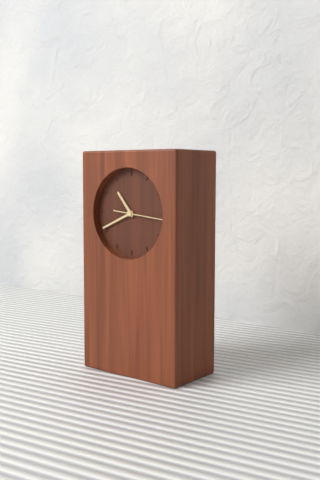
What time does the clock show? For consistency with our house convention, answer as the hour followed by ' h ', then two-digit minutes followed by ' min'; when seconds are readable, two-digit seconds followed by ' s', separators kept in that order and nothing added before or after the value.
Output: 10 h 41 min
